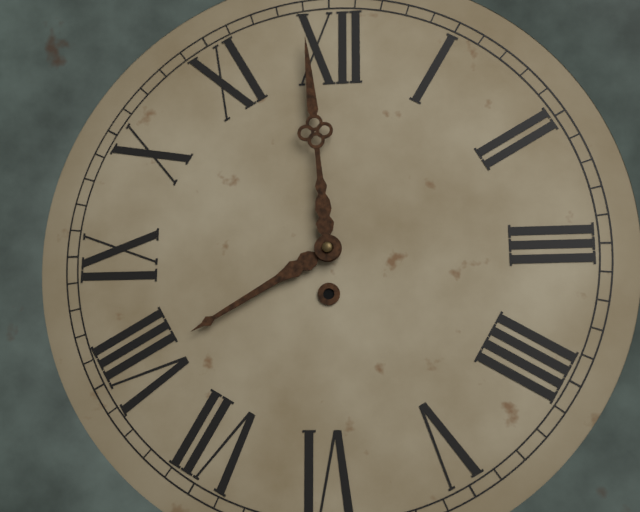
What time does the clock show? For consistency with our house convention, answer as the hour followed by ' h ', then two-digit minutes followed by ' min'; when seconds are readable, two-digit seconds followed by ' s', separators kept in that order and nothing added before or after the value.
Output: 7 h 59 min
